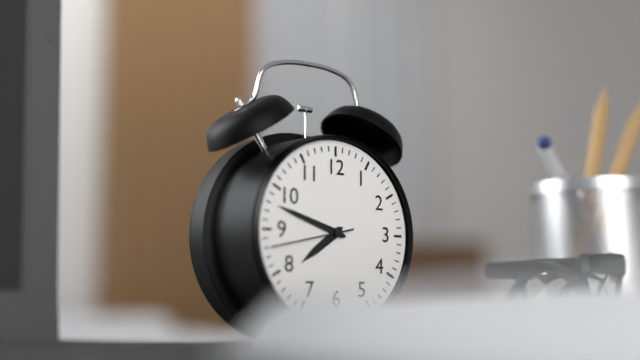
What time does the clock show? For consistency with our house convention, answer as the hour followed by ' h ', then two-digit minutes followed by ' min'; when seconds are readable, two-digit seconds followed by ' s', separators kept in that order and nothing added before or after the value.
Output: 7 h 48 min 43 s
